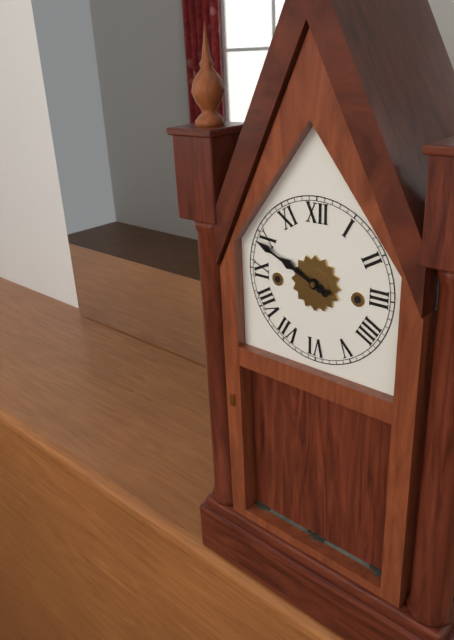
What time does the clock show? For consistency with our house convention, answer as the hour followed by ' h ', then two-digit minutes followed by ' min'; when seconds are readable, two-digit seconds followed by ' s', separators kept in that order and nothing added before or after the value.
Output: 9 h 49 min
